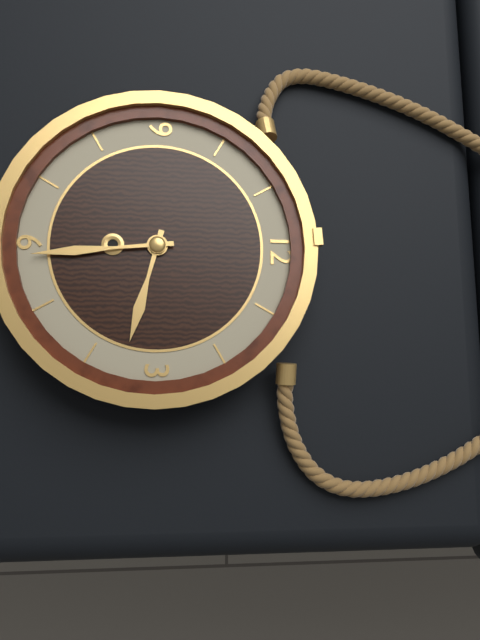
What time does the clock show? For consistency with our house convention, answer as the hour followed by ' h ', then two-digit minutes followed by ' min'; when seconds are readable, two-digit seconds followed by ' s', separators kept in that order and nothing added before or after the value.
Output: 3 h 29 min
